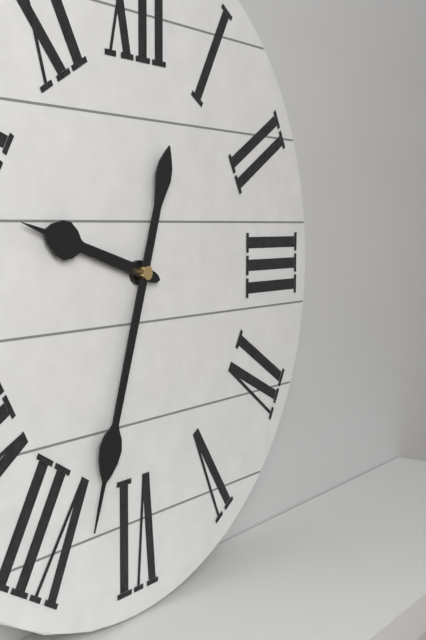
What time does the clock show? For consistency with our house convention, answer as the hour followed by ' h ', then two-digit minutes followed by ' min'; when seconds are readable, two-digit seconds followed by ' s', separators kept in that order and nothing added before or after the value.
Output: 9 h 33 min
